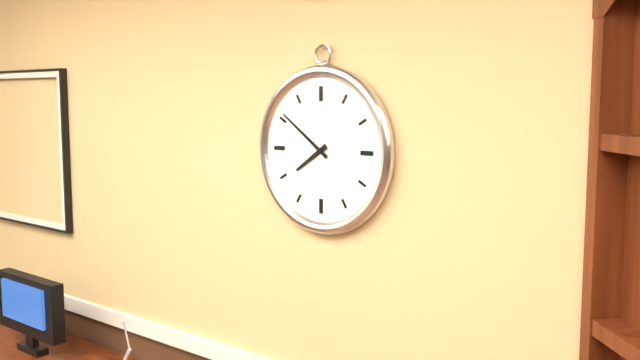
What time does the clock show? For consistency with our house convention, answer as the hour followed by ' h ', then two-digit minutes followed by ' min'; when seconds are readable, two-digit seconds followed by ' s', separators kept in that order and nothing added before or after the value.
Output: 7 h 51 min
